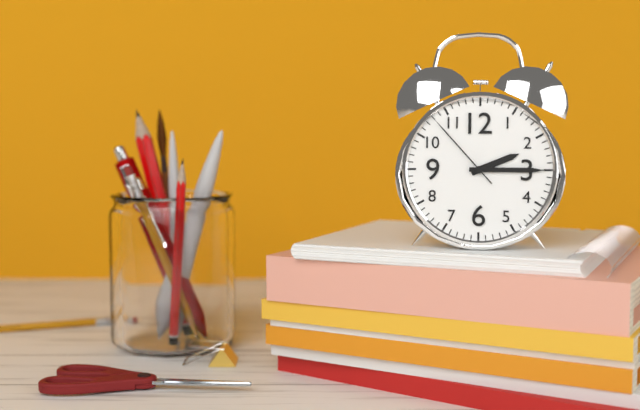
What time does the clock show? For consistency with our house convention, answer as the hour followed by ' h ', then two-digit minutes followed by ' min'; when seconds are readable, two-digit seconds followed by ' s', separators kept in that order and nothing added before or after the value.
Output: 2 h 15 min 53 s
